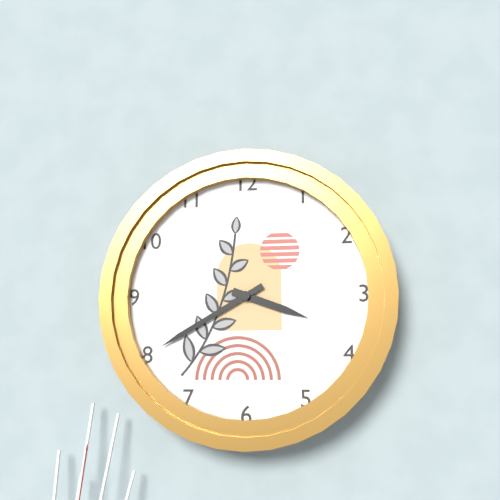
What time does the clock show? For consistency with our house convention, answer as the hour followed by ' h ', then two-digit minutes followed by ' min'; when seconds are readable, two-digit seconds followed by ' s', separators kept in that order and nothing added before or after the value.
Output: 3 h 40 min
